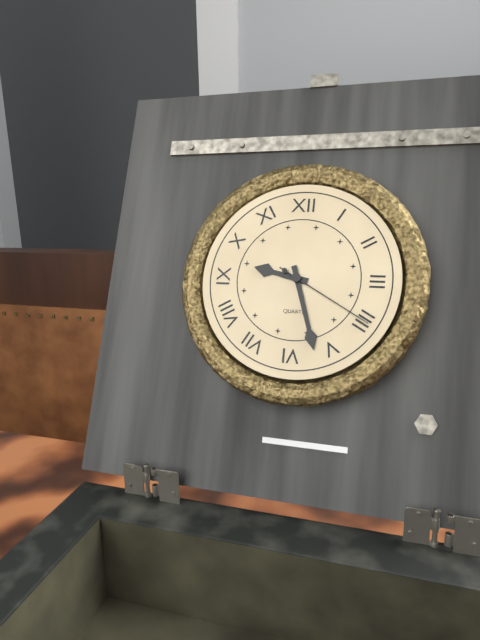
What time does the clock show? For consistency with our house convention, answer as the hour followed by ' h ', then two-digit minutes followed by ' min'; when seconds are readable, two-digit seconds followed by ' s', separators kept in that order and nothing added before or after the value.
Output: 9 h 27 min 20 s
